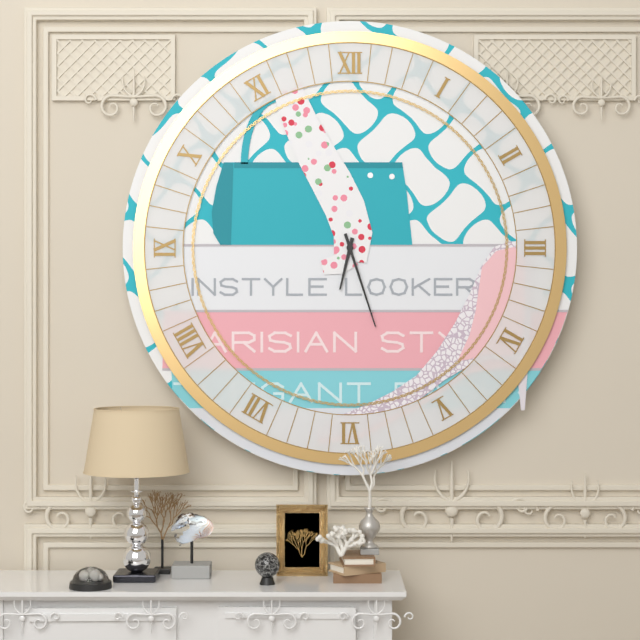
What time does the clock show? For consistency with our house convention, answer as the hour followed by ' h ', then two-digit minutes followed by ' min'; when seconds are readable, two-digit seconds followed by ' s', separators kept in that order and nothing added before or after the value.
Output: 6 h 27 min
